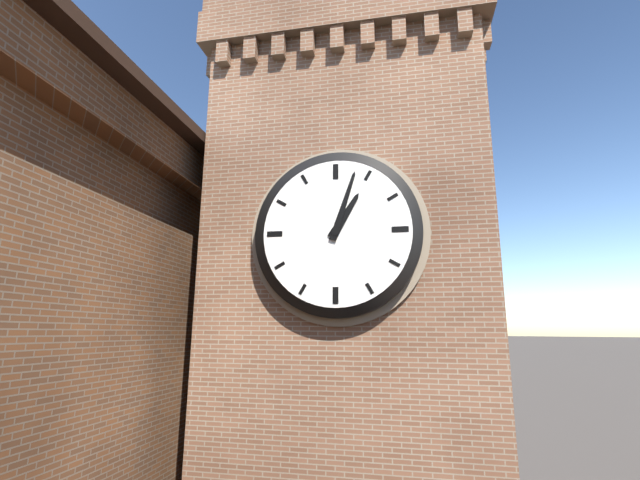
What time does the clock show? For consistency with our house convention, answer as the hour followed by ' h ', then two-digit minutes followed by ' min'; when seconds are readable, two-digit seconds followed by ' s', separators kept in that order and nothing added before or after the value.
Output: 1 h 03 min
